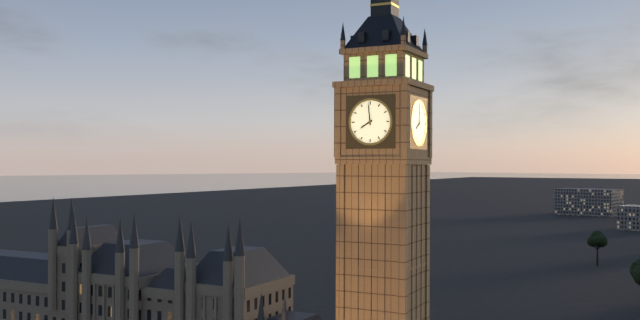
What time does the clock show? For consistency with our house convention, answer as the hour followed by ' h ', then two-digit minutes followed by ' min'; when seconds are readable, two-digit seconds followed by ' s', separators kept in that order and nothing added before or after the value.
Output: 7 h 59 min
